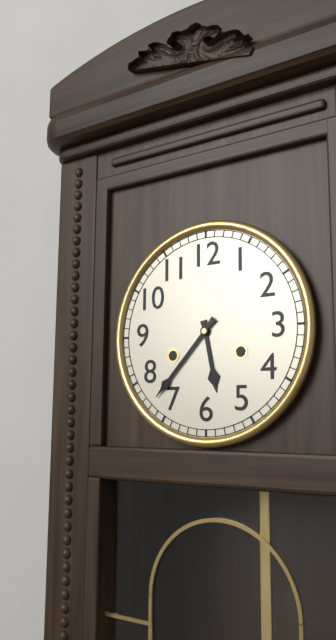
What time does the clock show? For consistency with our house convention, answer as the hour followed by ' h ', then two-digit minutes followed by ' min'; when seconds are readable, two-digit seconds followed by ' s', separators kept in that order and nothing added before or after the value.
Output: 5 h 37 min
